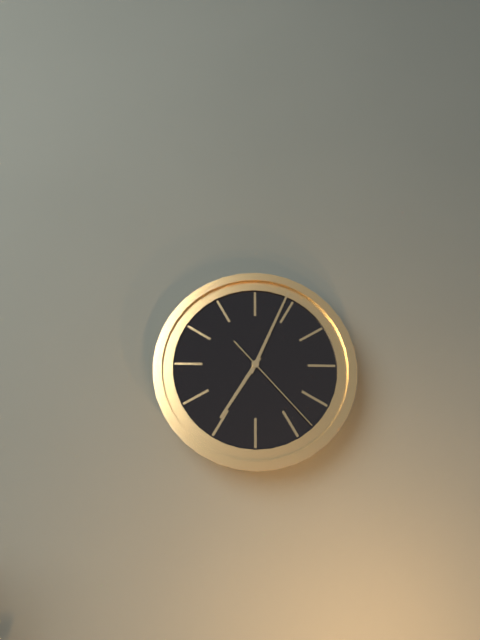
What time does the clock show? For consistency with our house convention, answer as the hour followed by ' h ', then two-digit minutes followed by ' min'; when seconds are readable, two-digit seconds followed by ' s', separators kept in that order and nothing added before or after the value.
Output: 7 h 04 min 23 s
